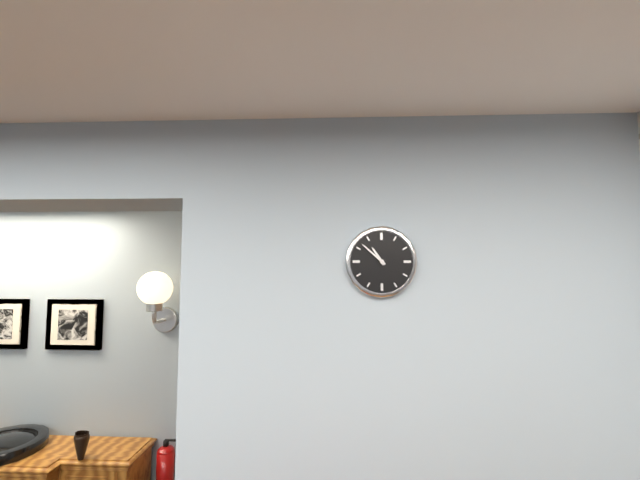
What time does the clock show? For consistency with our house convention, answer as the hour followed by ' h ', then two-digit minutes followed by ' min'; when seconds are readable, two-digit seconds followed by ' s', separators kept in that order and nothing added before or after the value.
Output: 10 h 52 min
